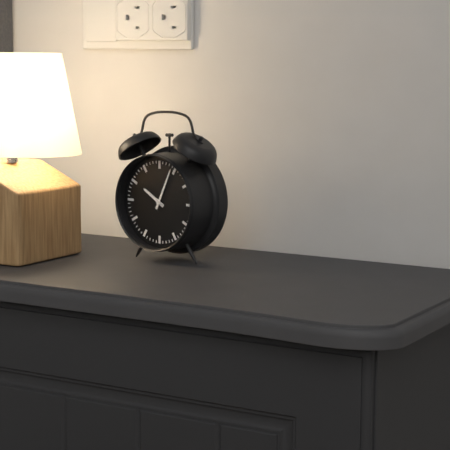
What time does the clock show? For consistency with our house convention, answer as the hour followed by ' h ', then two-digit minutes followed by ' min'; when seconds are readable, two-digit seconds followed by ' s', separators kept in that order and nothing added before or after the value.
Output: 10 h 04 min
